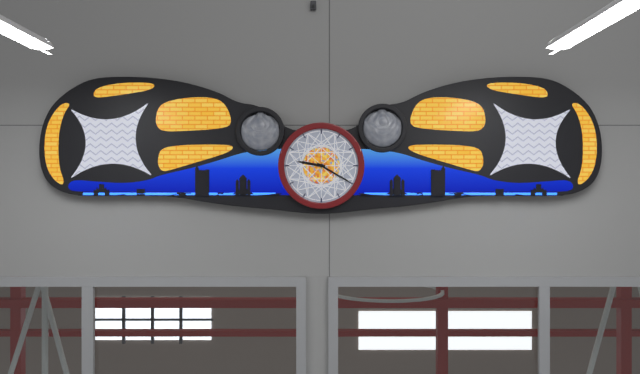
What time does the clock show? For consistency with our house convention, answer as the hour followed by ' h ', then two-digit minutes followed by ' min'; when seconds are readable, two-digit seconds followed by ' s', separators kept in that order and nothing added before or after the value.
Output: 9 h 20 min
